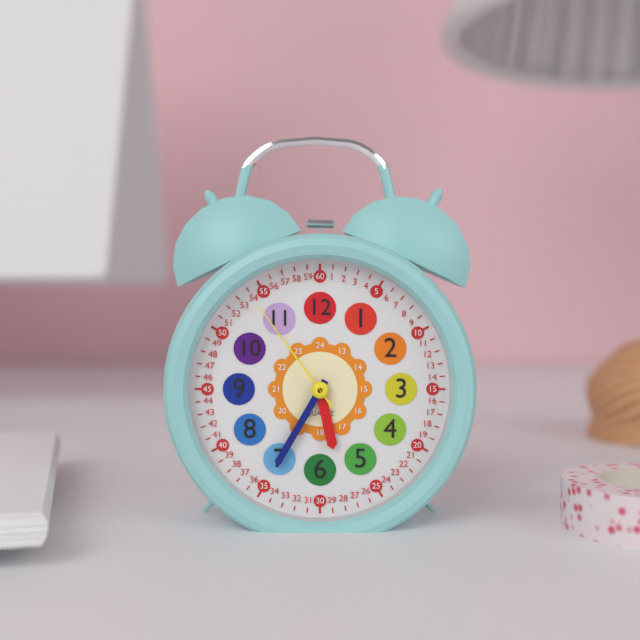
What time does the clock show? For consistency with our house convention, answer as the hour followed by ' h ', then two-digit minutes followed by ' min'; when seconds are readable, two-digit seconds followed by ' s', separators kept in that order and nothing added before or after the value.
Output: 5 h 35 min 54 s
